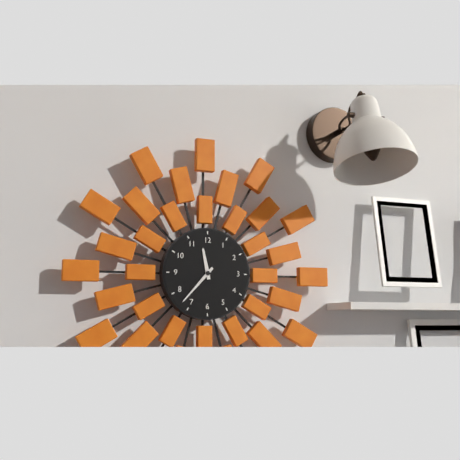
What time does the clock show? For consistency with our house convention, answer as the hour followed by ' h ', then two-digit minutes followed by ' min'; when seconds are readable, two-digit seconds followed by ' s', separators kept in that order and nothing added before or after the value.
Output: 11 h 37 min
